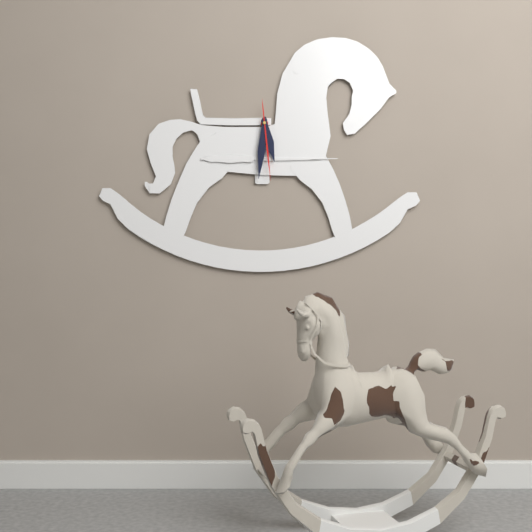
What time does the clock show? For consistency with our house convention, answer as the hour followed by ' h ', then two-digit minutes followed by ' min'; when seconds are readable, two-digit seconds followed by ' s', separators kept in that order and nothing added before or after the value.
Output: 5 h 31 min 29 s
